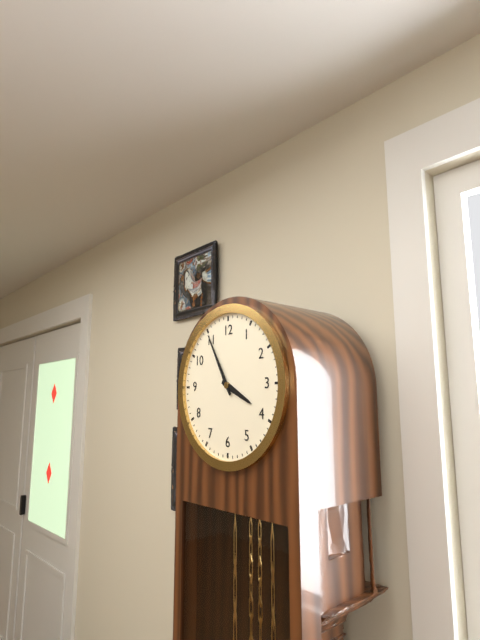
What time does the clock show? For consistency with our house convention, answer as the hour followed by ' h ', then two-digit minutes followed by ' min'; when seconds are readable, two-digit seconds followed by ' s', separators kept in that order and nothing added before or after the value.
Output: 3 h 55 min
